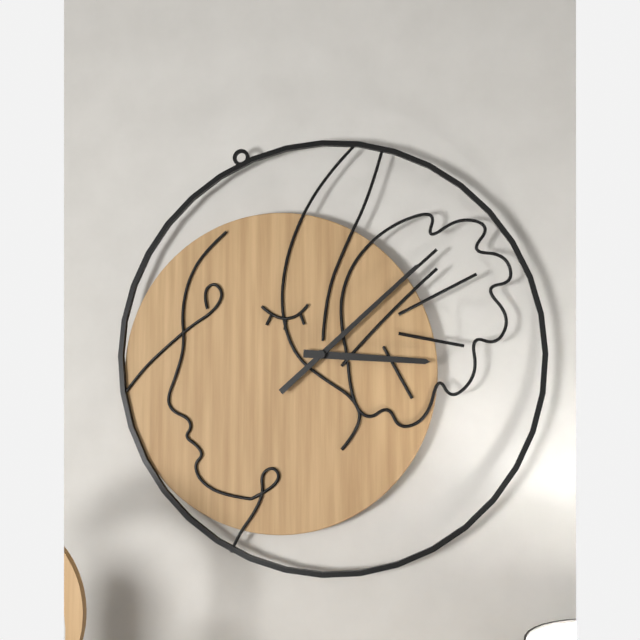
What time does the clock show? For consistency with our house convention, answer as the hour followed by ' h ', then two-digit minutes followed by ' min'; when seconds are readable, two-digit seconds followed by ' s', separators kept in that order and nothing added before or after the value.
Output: 3 h 08 min
